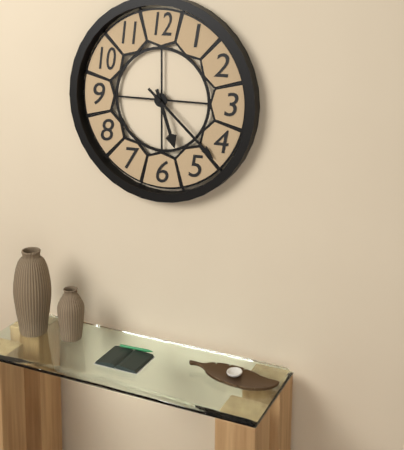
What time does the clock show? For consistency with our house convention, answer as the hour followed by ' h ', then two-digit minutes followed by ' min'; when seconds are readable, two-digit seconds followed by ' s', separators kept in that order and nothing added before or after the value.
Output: 5 h 22 min
